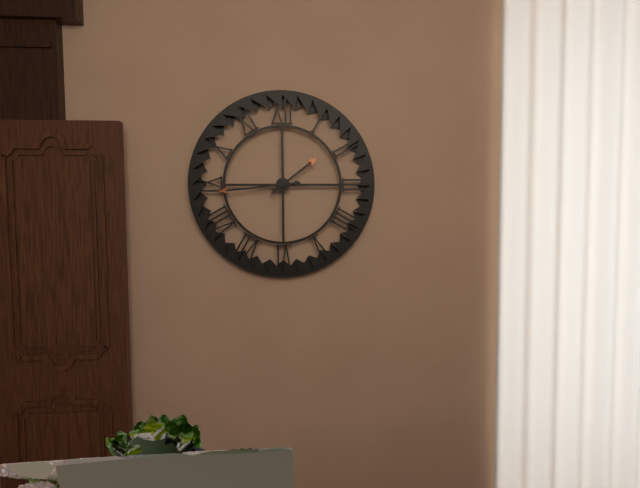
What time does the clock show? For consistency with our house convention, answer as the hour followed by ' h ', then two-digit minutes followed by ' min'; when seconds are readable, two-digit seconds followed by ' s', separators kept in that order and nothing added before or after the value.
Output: 1 h 44 min
